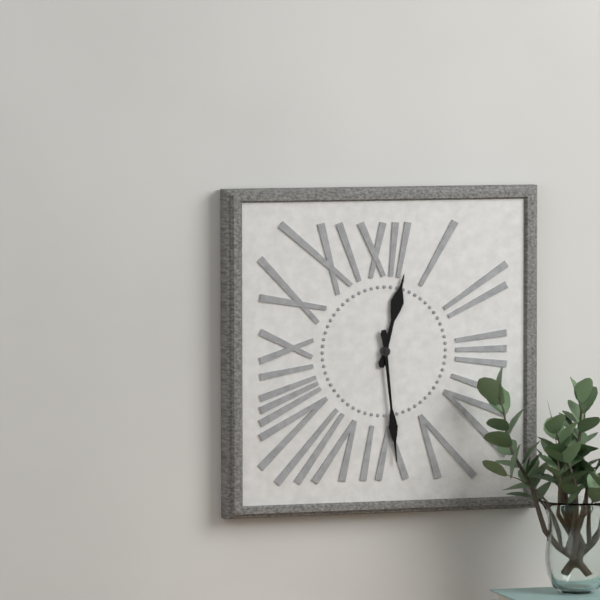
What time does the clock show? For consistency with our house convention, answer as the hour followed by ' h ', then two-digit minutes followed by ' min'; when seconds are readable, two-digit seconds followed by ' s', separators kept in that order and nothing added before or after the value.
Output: 12 h 29 min
